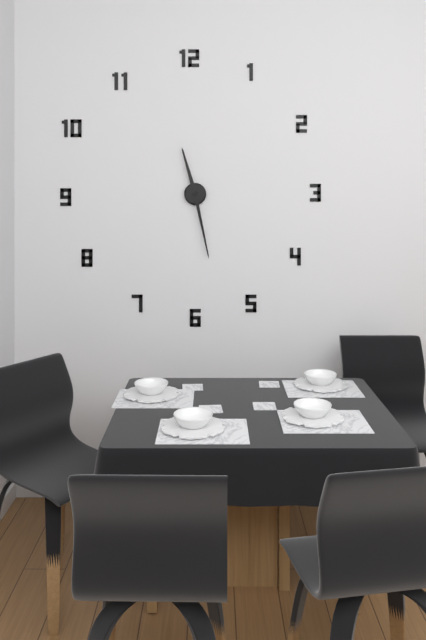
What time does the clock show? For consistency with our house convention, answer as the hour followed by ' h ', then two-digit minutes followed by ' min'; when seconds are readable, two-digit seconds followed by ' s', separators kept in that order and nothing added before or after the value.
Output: 11 h 28 min
